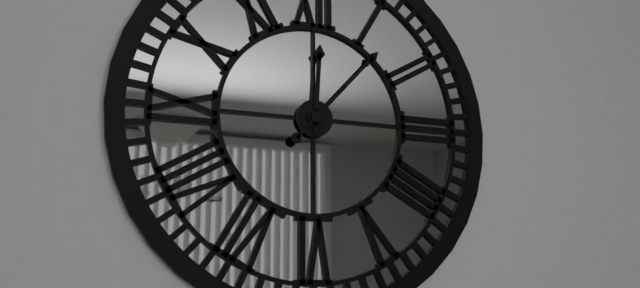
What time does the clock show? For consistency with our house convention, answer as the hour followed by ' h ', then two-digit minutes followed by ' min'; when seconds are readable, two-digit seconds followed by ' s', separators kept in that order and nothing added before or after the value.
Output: 12 h 07 min
